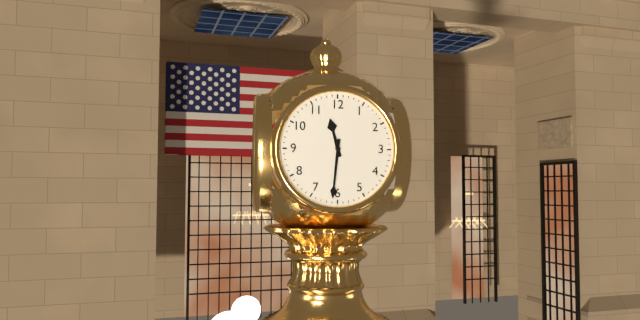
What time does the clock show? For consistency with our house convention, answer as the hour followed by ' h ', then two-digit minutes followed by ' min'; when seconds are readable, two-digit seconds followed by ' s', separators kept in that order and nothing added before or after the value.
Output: 11 h 31 min
